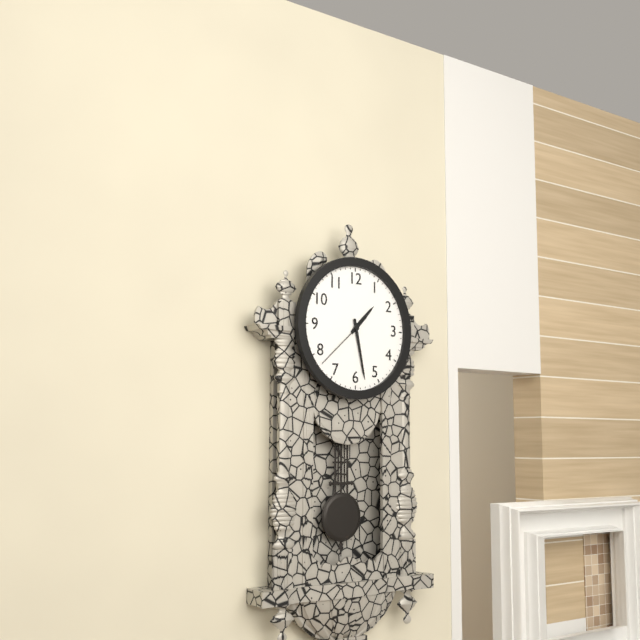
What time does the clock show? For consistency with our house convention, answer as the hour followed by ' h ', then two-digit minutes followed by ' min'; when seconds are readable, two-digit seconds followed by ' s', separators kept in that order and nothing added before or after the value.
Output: 1 h 28 min 38 s
